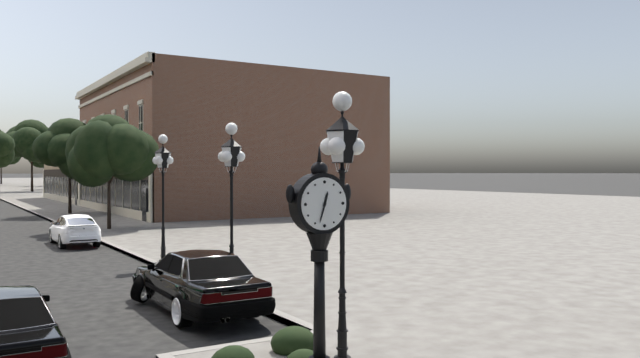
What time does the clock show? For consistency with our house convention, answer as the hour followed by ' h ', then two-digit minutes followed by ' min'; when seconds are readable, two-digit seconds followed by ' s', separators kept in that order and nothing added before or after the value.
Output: 12 h 33 min
